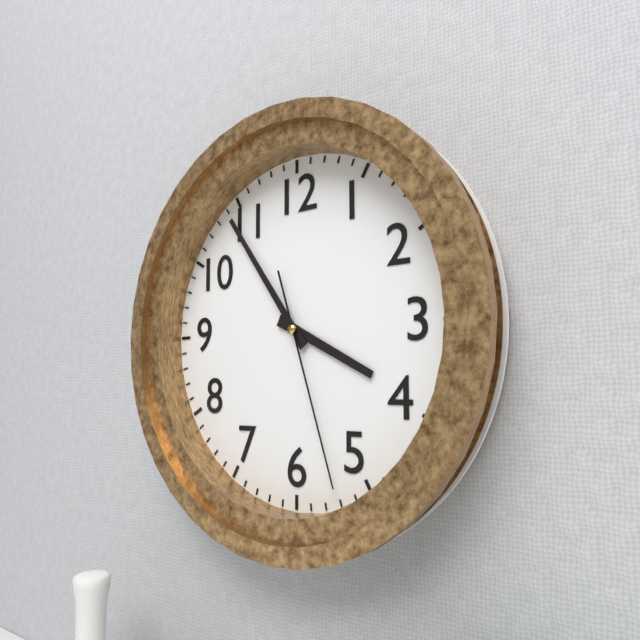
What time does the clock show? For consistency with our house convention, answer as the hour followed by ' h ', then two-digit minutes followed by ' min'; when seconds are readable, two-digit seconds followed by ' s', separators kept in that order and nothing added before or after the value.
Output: 3 h 54 min 27 s
